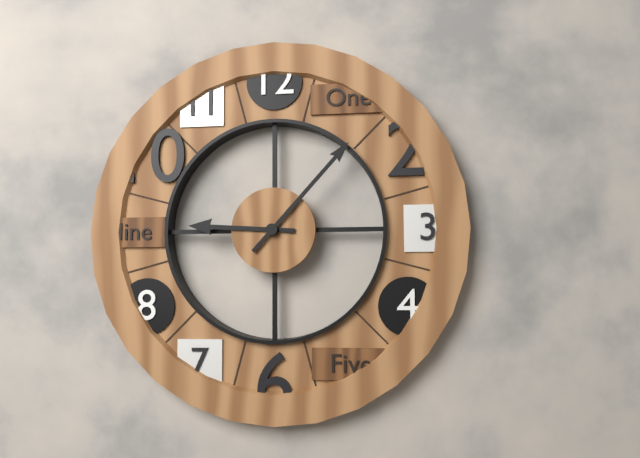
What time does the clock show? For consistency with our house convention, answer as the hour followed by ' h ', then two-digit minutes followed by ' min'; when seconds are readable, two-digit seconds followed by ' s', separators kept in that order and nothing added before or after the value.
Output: 9 h 07 min
